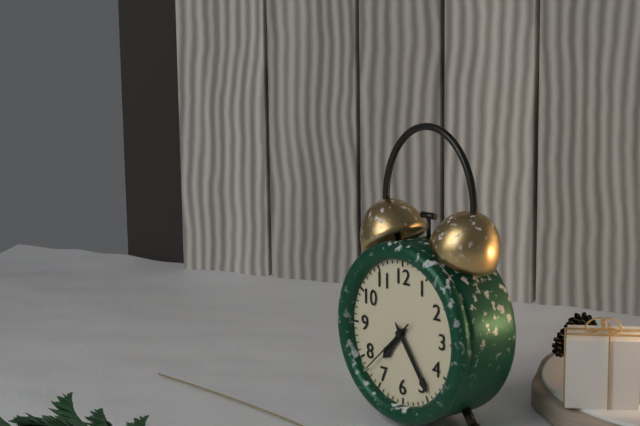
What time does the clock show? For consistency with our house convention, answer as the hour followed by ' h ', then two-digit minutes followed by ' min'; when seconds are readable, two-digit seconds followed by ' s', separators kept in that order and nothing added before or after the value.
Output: 7 h 24 min 38 s
